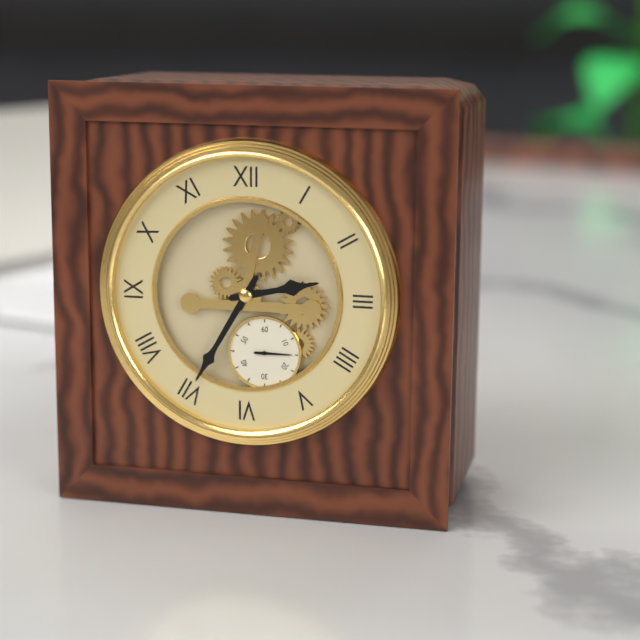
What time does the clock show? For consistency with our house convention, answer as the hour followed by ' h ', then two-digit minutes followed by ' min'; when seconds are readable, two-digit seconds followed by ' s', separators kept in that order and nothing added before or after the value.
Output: 2 h 35 min
